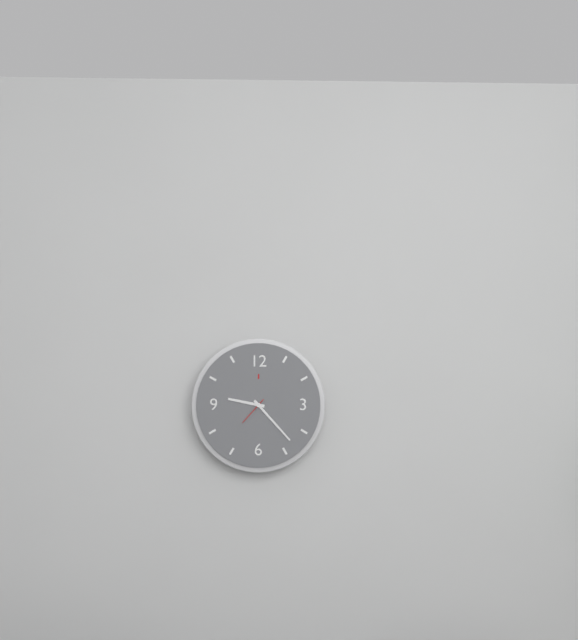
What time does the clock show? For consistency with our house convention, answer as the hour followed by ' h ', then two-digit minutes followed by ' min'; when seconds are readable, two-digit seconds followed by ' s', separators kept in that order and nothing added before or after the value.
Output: 9 h 23 min
